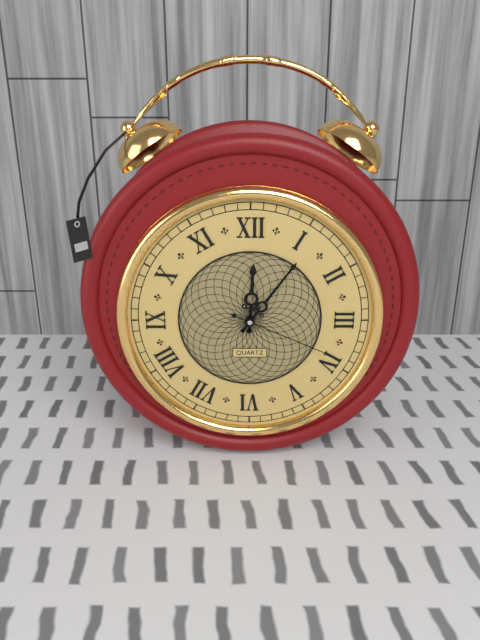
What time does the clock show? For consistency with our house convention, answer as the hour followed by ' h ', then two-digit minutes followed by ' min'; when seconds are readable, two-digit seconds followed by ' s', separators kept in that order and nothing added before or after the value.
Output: 12 h 06 min 19 s
